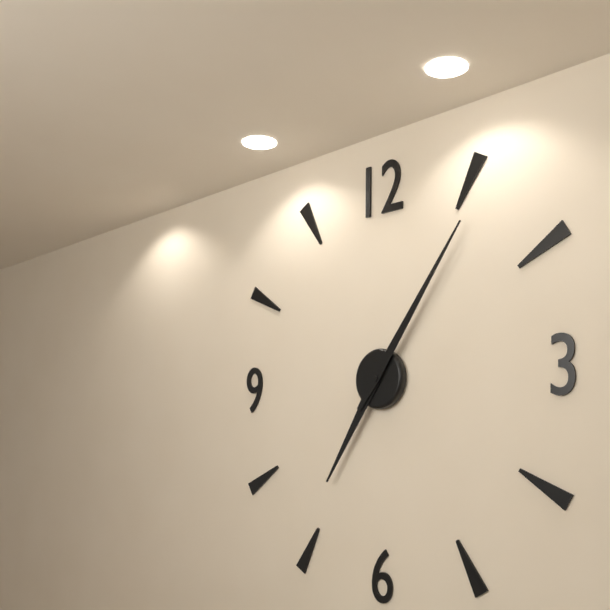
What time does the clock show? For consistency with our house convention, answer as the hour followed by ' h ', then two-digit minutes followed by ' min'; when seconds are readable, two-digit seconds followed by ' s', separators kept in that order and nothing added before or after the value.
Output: 7 h 06 min
